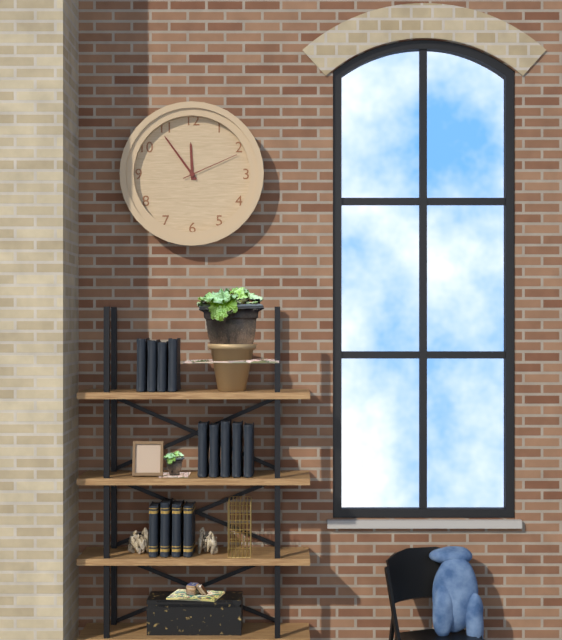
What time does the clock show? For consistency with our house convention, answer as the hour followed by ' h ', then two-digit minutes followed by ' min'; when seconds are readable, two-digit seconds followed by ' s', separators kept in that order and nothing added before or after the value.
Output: 11 h 54 min 11 s
